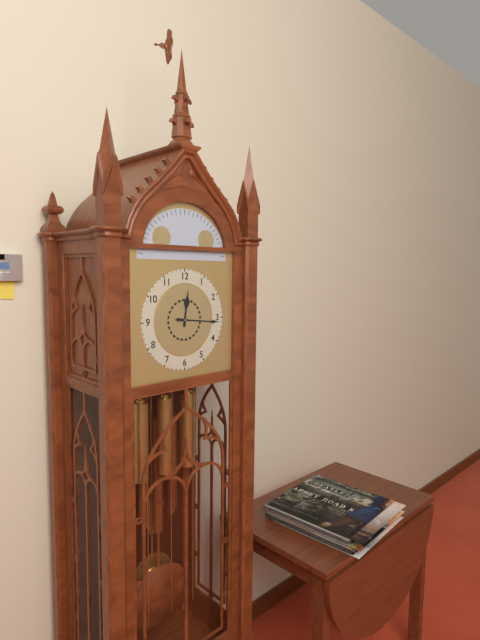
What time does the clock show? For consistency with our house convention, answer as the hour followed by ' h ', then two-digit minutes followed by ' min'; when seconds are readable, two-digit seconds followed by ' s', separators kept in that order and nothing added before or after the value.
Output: 12 h 16 min
